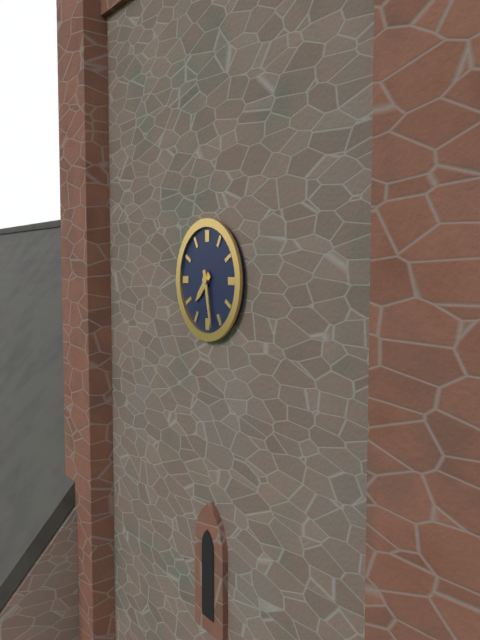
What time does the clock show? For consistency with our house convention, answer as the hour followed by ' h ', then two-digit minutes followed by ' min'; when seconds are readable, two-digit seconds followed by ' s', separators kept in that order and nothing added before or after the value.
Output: 7 h 28 min
